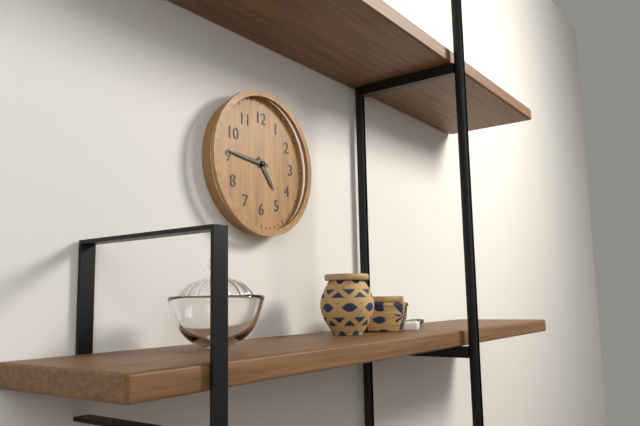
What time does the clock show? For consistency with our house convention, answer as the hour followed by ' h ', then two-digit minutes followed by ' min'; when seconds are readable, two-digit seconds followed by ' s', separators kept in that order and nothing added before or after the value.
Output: 4 h 46 min
